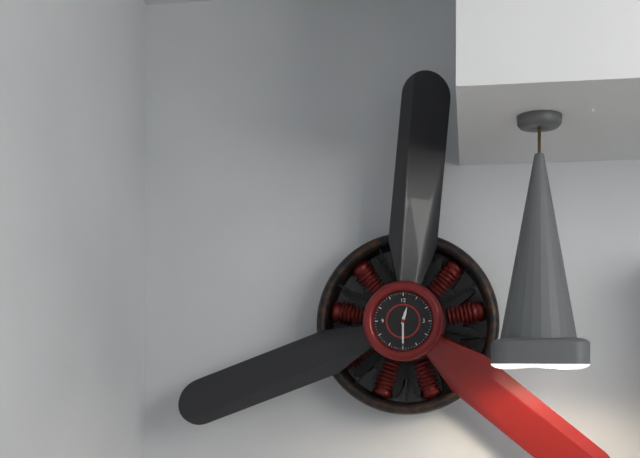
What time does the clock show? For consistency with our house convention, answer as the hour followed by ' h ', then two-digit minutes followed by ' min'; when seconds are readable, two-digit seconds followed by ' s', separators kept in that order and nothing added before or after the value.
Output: 12 h 30 min
